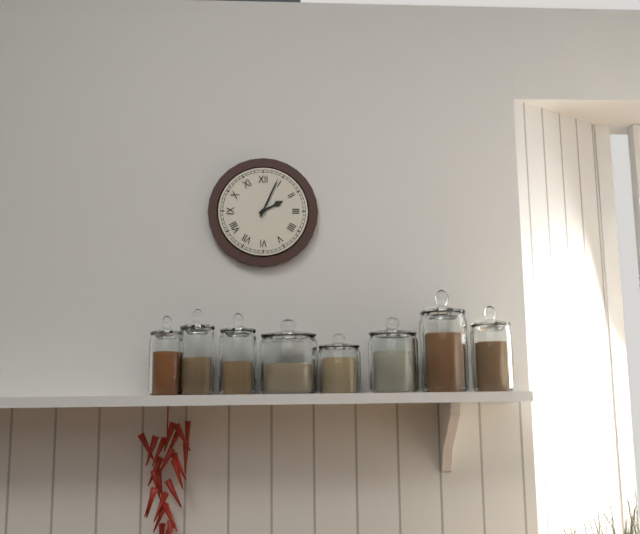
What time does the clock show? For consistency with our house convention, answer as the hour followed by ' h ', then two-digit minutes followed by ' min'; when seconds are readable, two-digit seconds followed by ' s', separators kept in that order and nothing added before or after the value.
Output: 2 h 04 min
